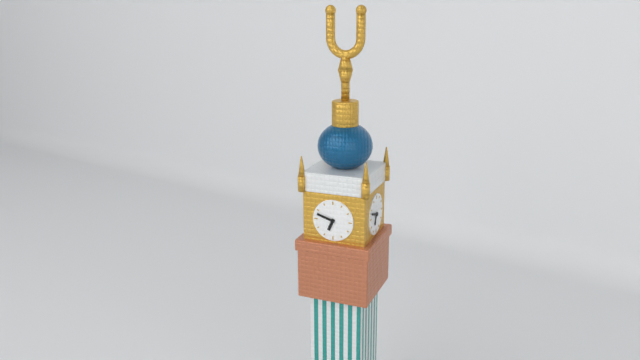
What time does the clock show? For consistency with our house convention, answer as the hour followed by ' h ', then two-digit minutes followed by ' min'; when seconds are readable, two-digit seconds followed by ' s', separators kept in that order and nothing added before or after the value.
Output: 6 h 48 min
